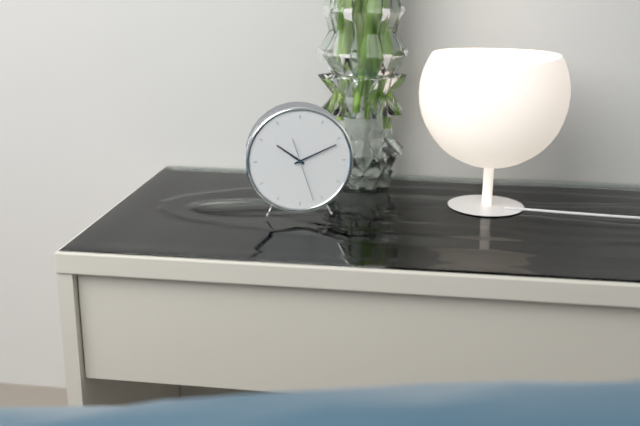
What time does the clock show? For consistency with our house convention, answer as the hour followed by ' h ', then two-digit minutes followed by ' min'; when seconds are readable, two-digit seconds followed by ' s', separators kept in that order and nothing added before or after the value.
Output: 10 h 11 min 27 s
